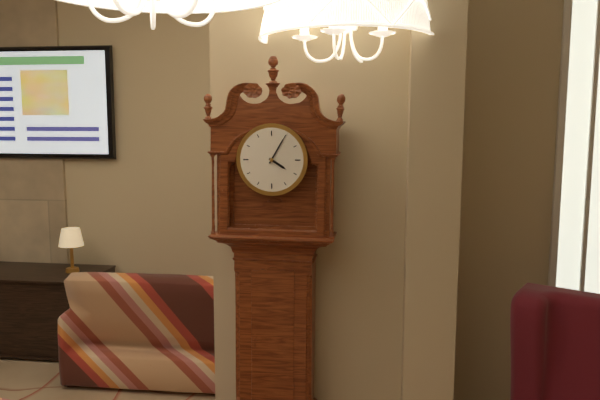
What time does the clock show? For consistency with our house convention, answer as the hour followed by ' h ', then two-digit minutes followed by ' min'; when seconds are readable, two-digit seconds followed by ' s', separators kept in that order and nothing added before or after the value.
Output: 4 h 05 min
